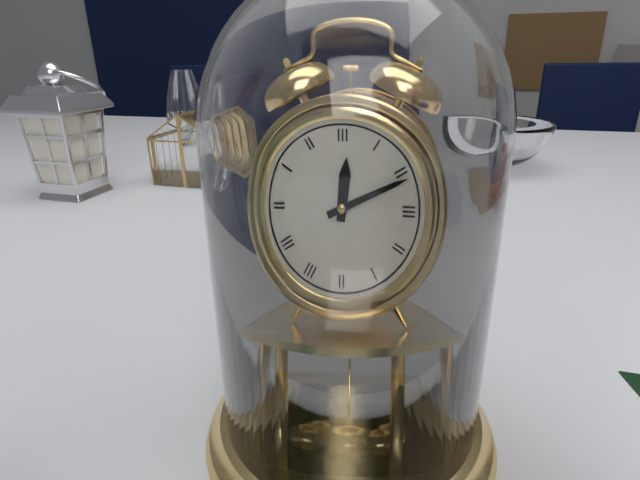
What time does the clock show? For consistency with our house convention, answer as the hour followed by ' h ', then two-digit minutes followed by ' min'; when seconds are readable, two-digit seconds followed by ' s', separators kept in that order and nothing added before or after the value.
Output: 12 h 11 min
